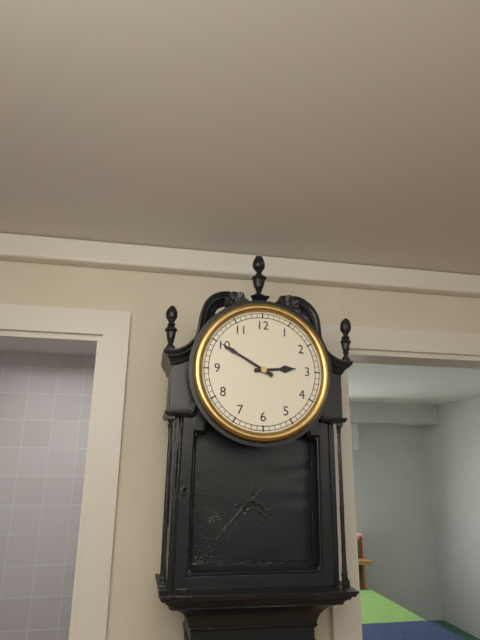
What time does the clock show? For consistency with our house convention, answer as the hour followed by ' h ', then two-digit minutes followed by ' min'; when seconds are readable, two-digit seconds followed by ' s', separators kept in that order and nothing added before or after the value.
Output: 2 h 50 min
